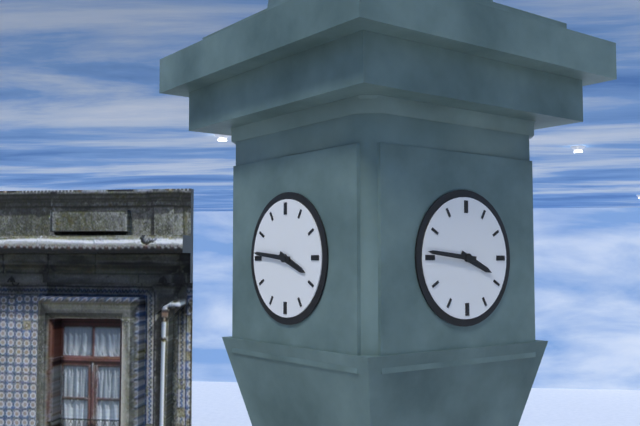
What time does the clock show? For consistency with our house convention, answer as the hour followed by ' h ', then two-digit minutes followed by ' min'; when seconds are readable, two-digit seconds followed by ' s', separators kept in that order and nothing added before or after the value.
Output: 3 h 46 min
